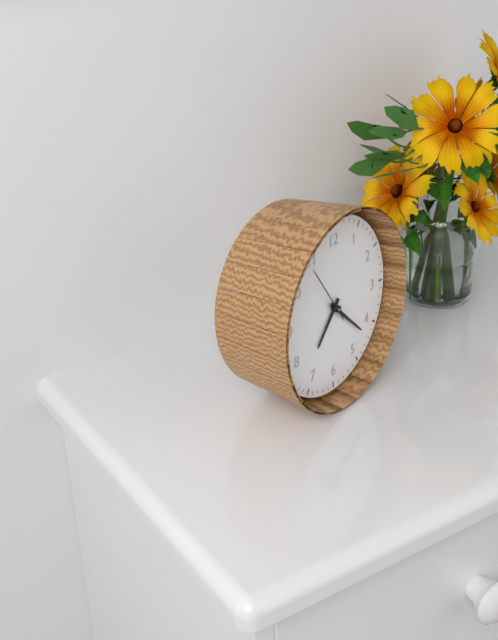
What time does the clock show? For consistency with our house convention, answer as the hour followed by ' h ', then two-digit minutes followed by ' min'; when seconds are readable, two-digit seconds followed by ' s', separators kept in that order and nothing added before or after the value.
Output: 7 h 22 min 54 s
